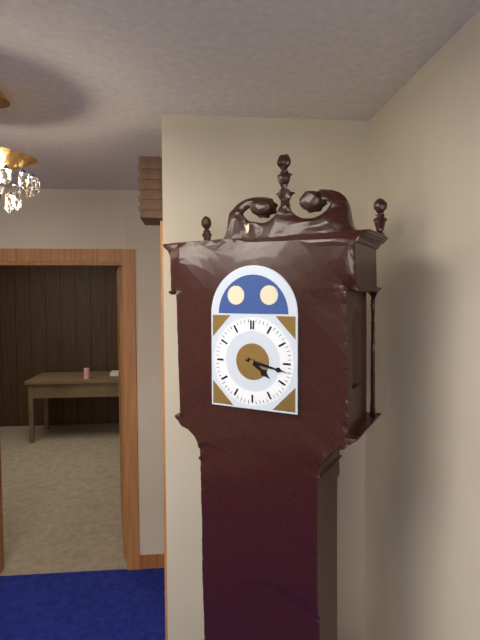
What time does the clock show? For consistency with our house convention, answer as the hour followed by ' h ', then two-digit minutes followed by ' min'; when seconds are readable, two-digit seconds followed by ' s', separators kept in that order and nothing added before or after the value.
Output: 4 h 17 min
